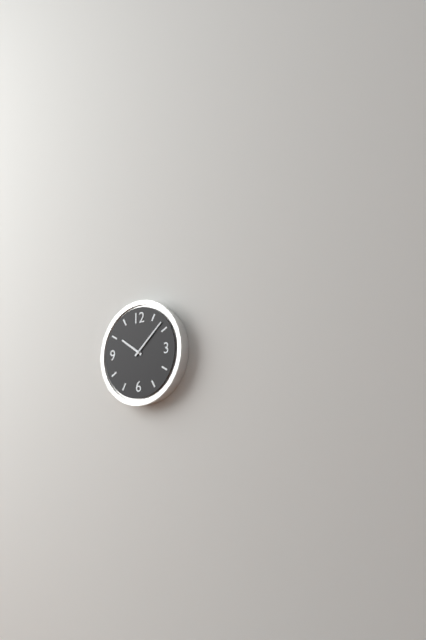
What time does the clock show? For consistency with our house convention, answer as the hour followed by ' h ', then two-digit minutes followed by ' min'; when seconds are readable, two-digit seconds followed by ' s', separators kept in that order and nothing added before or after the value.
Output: 10 h 08 min
